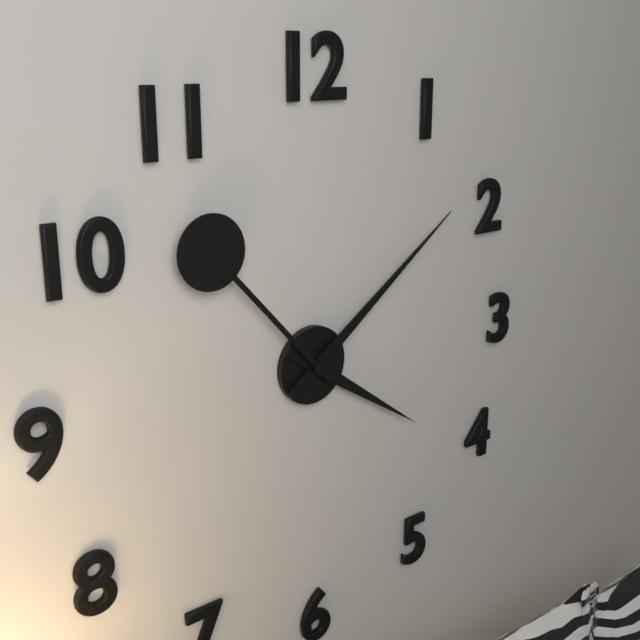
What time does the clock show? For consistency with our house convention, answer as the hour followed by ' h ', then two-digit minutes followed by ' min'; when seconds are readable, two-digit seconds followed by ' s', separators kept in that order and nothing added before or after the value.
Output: 4 h 09 min 53 s
